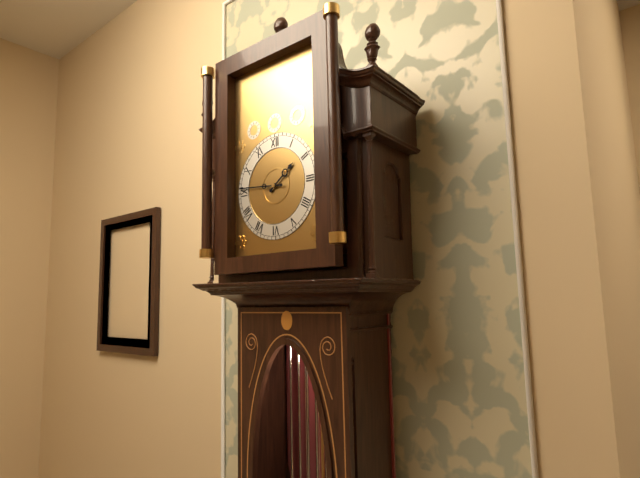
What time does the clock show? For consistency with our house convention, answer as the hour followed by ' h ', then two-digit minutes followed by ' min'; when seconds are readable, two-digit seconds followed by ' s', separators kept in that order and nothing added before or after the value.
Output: 1 h 46 min
